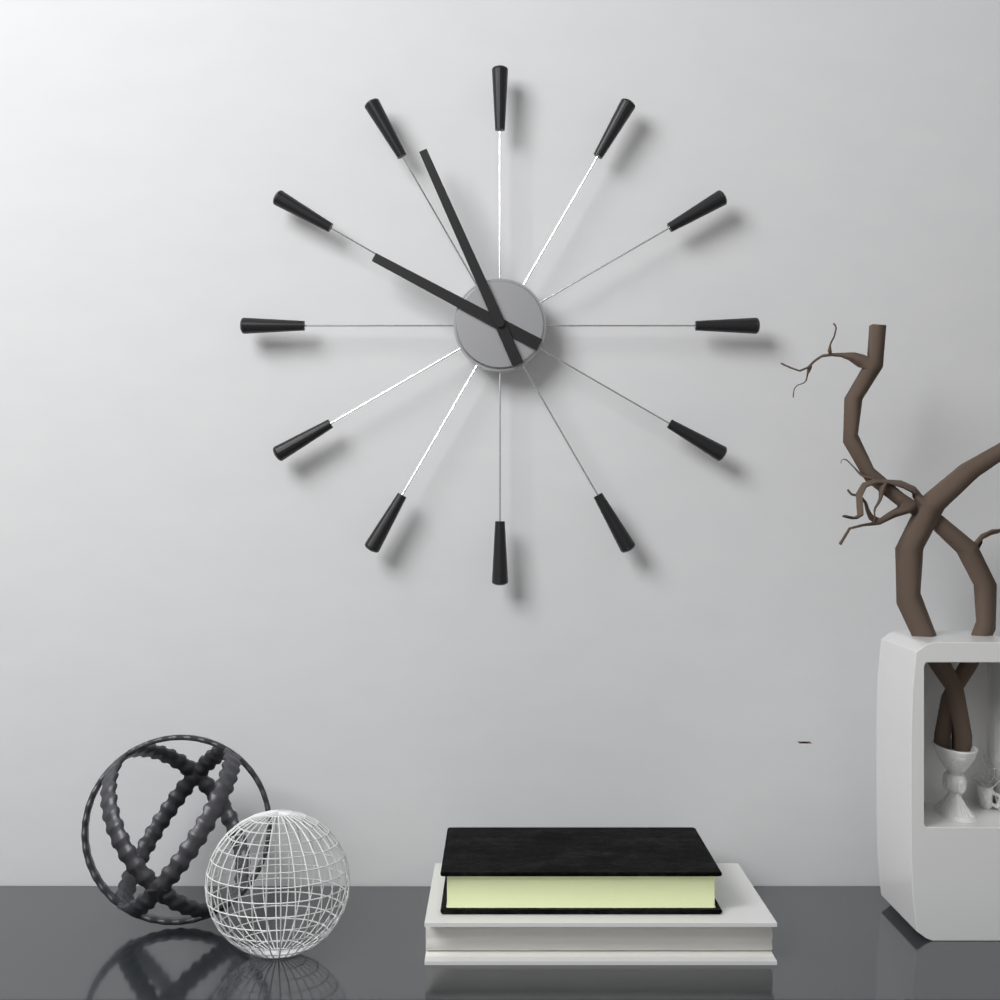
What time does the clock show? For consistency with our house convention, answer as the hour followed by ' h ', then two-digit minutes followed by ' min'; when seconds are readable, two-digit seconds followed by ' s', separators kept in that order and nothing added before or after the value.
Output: 9 h 56 min
